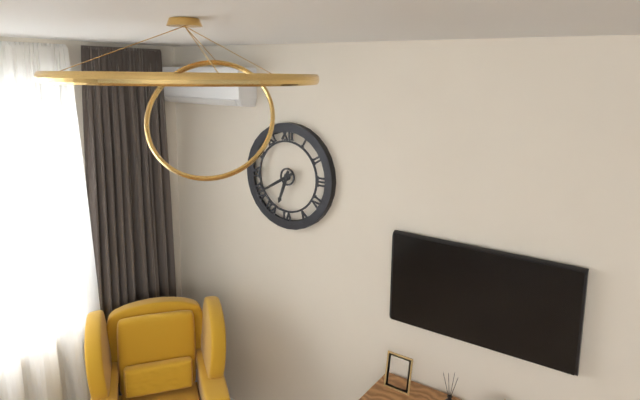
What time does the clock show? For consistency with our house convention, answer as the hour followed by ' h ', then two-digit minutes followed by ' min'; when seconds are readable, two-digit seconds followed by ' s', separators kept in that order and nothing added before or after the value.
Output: 6 h 40 min
